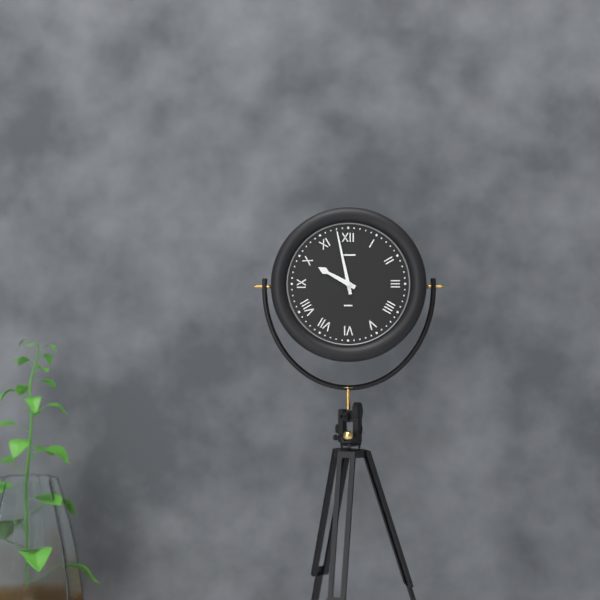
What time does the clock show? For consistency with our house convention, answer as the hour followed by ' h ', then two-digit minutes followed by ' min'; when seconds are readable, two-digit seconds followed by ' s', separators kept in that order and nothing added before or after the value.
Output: 9 h 58 min
